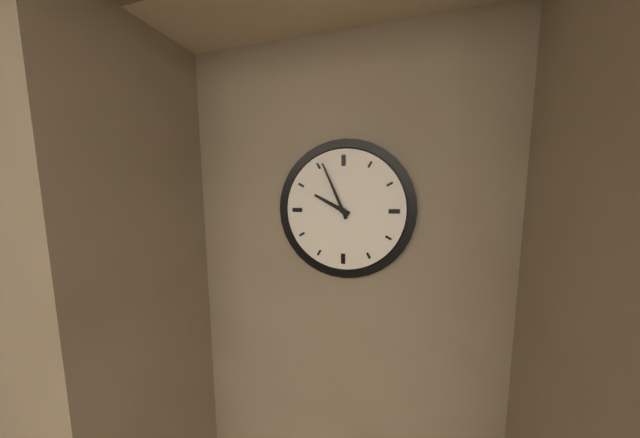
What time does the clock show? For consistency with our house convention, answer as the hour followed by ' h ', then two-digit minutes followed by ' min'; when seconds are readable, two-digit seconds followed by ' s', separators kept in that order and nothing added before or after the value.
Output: 9 h 56 min
